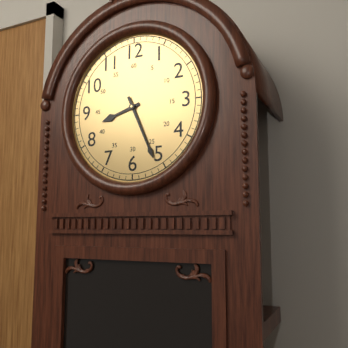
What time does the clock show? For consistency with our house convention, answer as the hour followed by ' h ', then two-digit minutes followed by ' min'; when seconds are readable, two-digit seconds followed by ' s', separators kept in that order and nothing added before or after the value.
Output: 8 h 26 min
